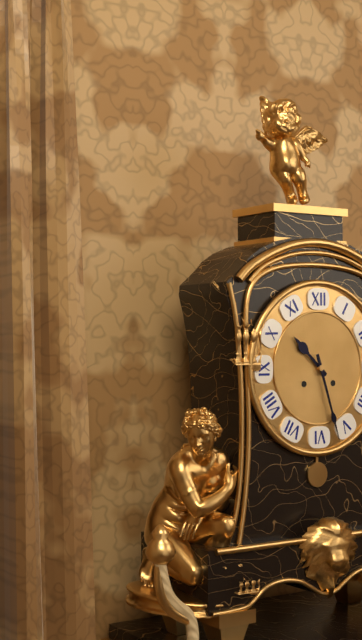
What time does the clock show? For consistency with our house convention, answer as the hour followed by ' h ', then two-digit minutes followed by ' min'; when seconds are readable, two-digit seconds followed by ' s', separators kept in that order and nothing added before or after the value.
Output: 10 h 27 min
